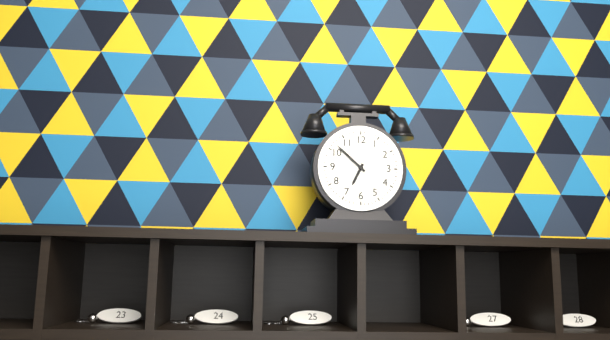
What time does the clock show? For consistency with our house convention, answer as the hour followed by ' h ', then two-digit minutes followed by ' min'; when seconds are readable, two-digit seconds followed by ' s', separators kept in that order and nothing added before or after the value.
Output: 6 h 52 min
